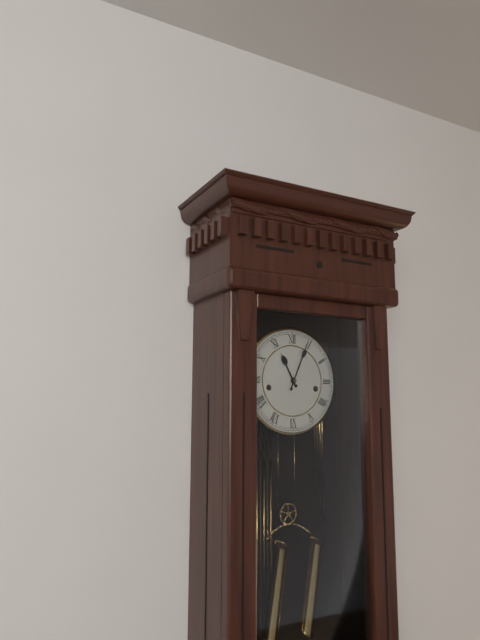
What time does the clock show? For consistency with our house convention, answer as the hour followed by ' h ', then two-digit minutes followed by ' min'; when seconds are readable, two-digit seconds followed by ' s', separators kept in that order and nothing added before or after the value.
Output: 11 h 04 min
